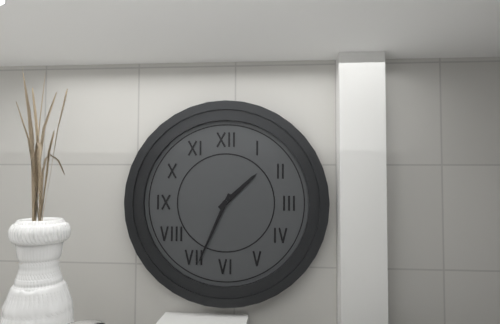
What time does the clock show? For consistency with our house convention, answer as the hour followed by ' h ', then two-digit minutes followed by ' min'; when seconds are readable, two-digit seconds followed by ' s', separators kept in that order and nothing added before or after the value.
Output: 1 h 34 min
